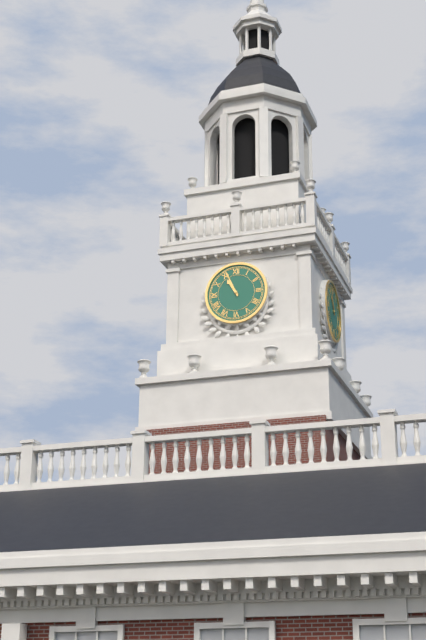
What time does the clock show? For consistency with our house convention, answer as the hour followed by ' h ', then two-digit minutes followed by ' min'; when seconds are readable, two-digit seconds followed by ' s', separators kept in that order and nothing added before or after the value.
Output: 10 h 56 min
